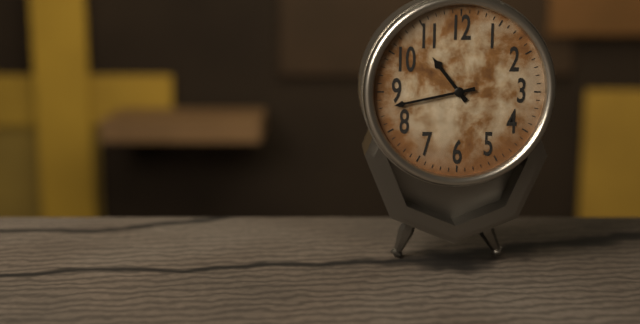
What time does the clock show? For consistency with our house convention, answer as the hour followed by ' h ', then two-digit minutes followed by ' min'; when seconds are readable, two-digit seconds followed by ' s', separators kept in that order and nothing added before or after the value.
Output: 10 h 43 min
